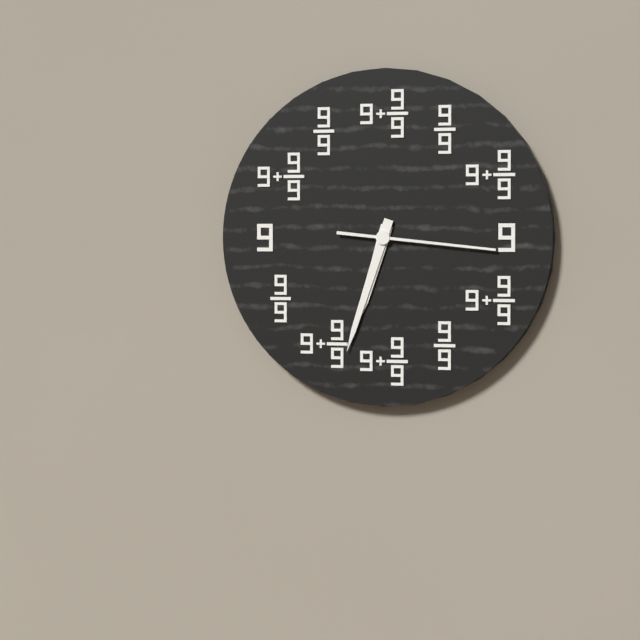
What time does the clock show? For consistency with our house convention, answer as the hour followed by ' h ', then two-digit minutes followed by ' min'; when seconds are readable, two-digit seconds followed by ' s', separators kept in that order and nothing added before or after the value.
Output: 6 h 33 min 16 s
